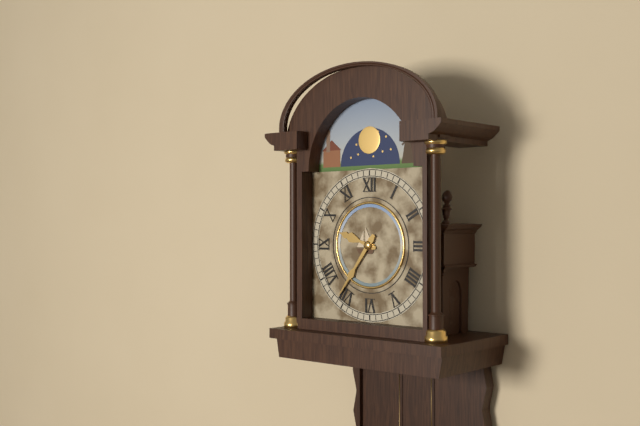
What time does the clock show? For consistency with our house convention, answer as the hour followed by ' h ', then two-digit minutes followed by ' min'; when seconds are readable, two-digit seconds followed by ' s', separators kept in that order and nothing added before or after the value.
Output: 9 h 36 min
